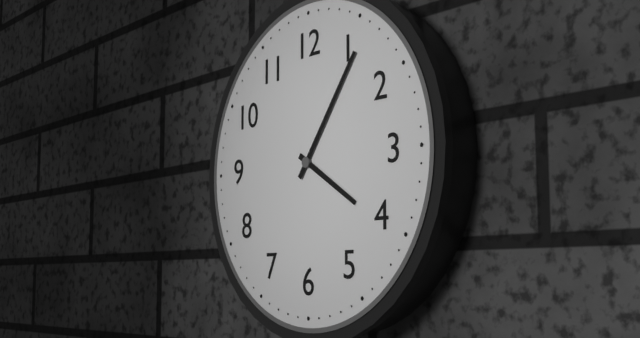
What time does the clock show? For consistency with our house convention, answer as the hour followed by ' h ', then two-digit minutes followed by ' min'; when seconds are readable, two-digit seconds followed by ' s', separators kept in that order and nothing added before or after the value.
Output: 4 h 06 min
